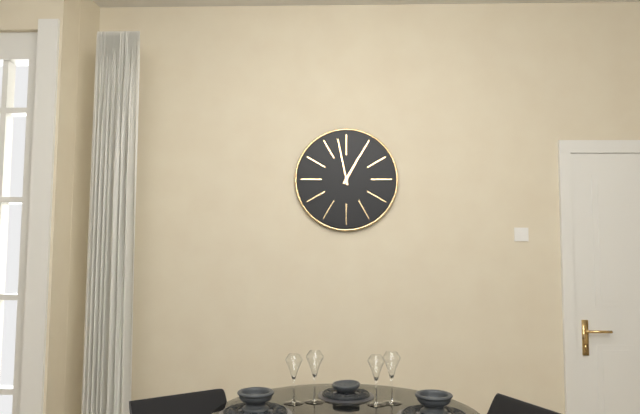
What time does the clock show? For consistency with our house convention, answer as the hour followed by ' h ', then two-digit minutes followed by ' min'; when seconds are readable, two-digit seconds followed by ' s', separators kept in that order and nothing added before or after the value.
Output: 12 h 58 min
